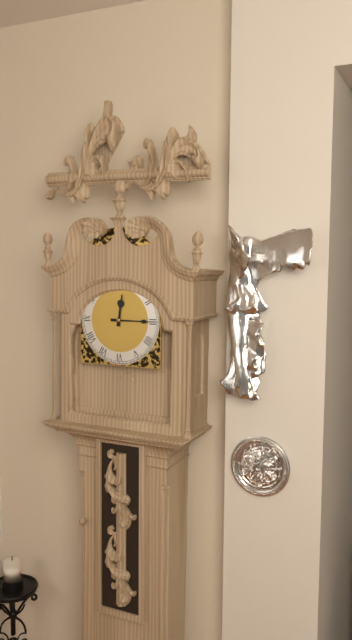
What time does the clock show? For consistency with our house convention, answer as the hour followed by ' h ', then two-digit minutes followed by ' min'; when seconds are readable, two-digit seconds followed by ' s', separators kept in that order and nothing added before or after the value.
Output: 12 h 15 min
